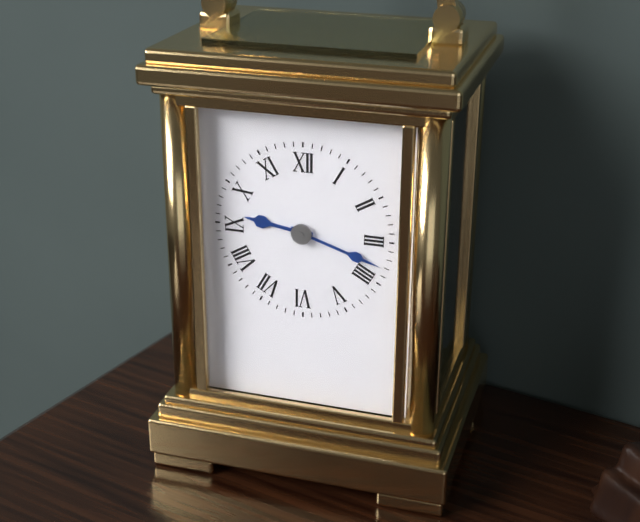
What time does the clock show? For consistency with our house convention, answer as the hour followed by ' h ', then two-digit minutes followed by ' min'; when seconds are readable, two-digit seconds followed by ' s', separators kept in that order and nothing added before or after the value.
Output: 9 h 18 min
